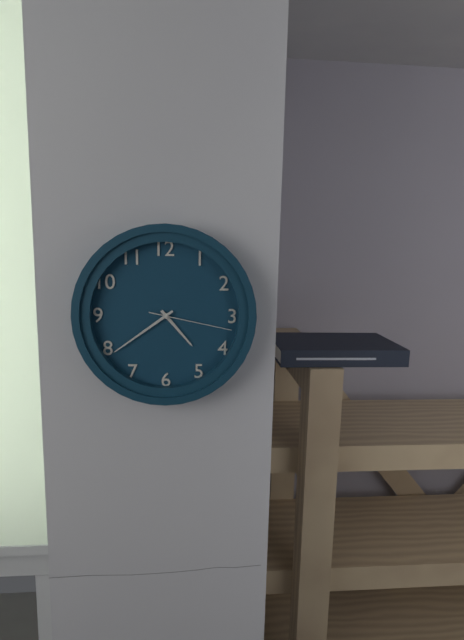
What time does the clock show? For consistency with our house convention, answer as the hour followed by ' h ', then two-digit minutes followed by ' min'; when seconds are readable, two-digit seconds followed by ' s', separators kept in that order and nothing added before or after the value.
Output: 4 h 39 min 17 s
